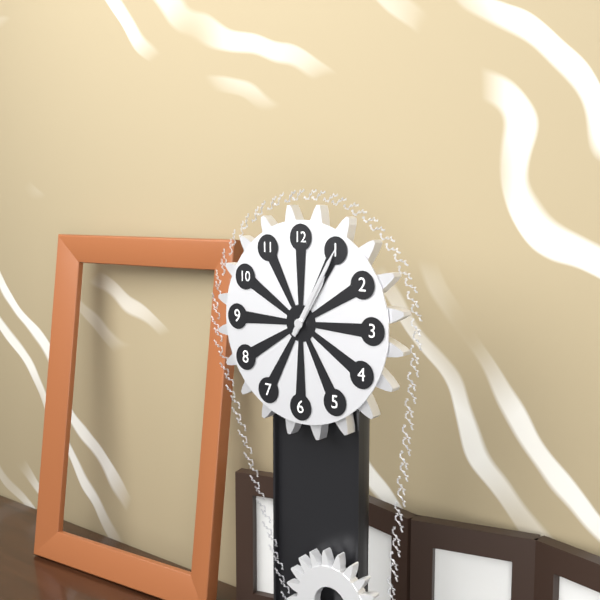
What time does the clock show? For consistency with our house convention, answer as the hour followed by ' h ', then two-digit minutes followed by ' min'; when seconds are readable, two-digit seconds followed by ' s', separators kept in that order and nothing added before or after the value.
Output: 1 h 05 min
